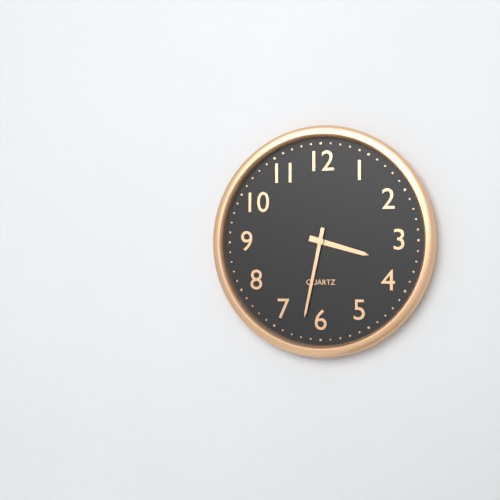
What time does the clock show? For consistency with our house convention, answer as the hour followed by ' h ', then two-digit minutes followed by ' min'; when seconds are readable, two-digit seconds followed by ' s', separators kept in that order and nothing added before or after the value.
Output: 3 h 32 min
